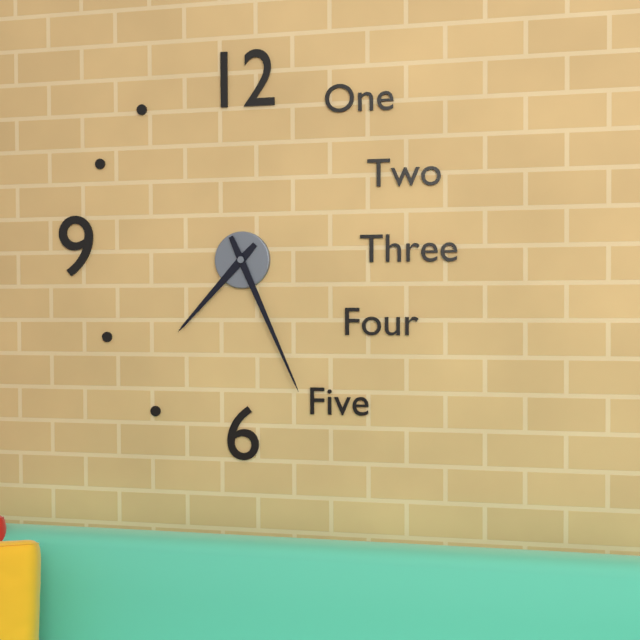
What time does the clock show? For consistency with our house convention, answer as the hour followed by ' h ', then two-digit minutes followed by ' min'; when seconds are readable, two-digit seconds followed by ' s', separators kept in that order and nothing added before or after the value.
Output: 7 h 26 min
